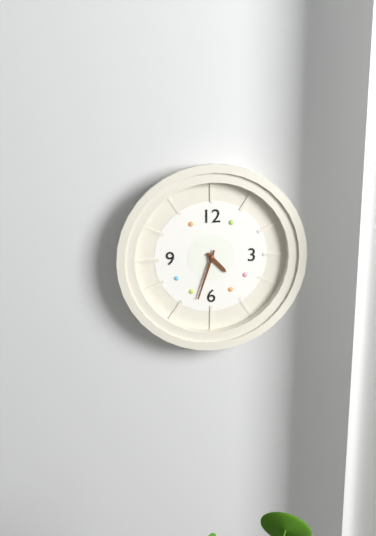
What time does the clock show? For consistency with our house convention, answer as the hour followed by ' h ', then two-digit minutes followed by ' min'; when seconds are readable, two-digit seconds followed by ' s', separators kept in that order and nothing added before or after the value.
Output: 4 h 33 min
